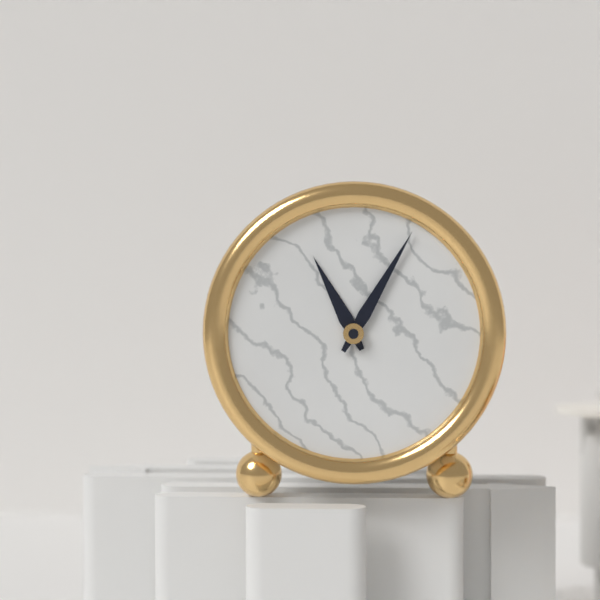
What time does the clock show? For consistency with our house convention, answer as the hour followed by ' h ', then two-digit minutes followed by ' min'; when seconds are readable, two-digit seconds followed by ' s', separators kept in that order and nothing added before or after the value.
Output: 11 h 05 min
